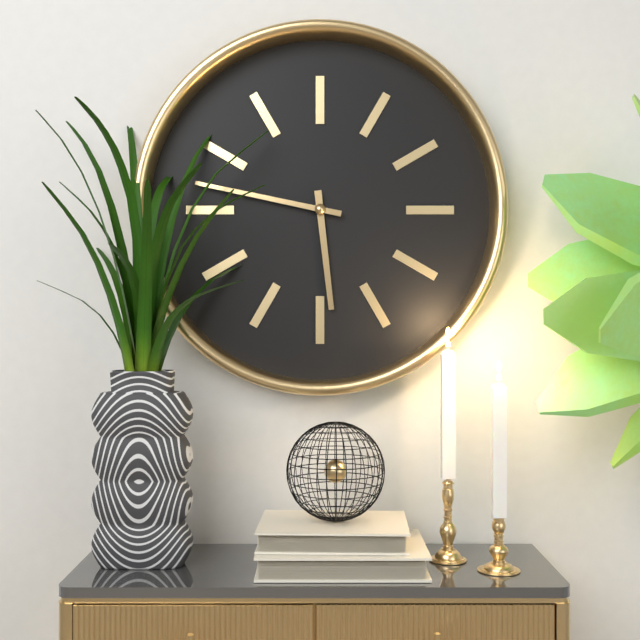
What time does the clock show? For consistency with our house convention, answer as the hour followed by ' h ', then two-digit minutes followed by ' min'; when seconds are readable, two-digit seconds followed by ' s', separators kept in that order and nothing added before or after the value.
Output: 5 h 47 min
